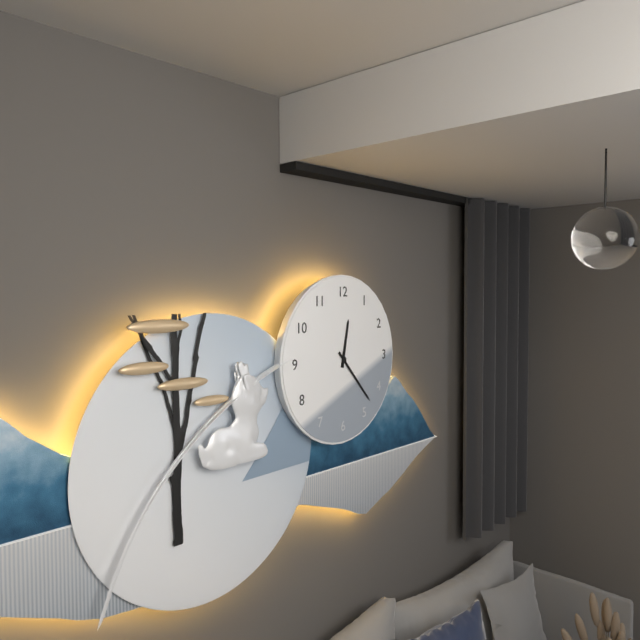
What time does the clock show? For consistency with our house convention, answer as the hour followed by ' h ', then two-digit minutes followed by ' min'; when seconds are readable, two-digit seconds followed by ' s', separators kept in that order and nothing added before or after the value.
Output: 12 h 23 min
